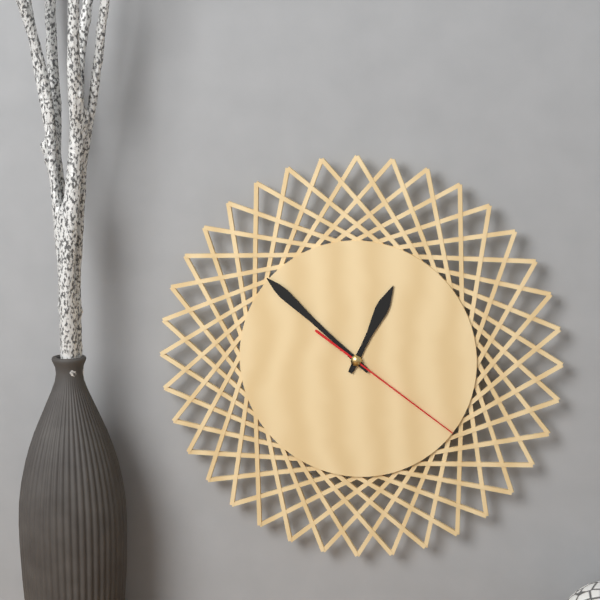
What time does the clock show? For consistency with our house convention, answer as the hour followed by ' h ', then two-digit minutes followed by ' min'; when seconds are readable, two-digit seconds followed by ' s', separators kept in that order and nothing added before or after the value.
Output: 12 h 52 min 21 s
